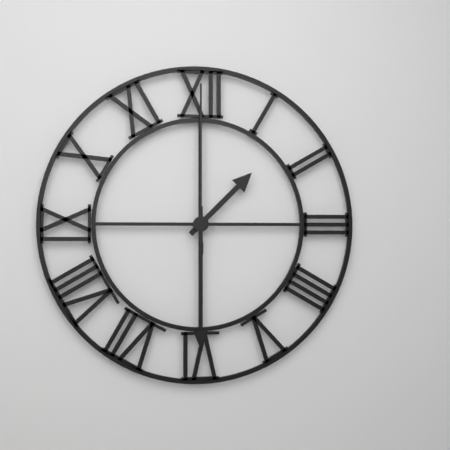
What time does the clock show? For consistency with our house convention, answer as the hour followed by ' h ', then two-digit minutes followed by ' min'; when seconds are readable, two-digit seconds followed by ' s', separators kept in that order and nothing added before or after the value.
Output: 1 h 30 min 00 s
